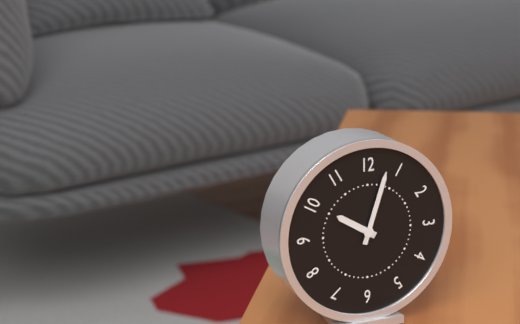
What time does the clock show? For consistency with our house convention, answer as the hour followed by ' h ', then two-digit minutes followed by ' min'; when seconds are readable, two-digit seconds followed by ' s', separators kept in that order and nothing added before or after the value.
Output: 10 h 03 min
